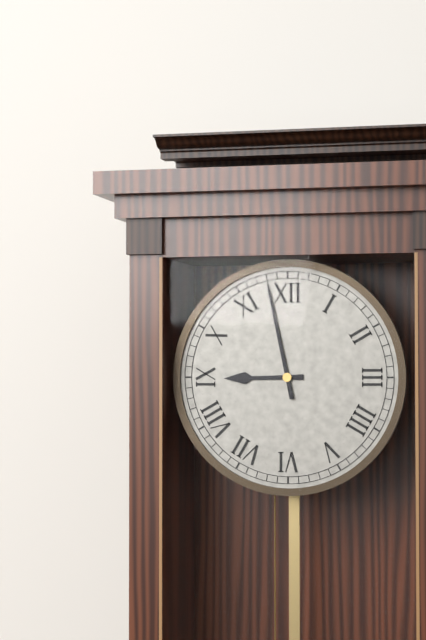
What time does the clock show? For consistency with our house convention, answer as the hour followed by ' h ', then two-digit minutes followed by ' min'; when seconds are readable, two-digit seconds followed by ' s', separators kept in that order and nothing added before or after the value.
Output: 8 h 58 min
